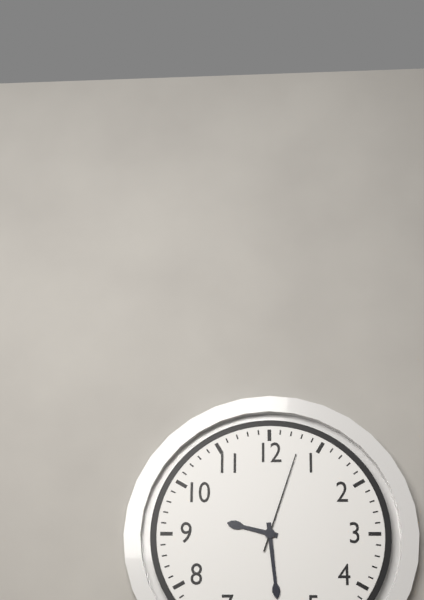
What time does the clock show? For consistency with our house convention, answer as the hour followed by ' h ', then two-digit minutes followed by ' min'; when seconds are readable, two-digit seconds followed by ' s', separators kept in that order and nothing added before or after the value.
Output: 9 h 29 min 03 s
